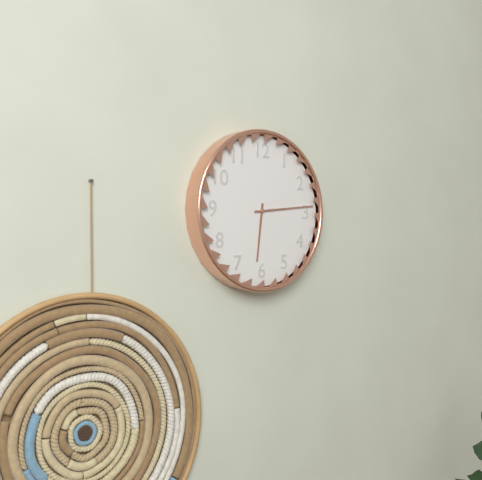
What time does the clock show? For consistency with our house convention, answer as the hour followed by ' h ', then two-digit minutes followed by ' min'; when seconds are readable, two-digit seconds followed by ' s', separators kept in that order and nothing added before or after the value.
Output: 6 h 14 min
